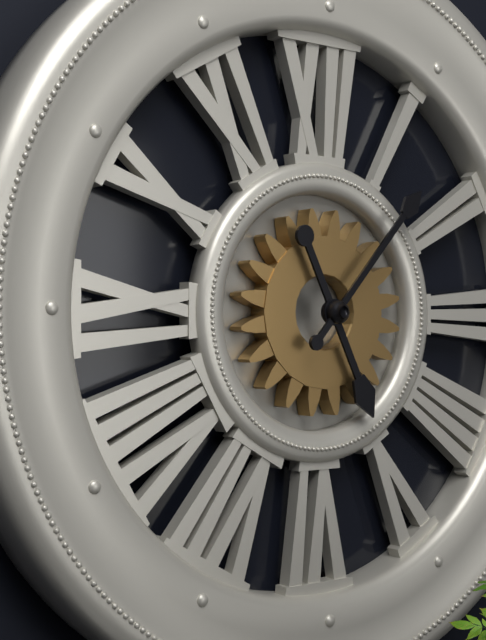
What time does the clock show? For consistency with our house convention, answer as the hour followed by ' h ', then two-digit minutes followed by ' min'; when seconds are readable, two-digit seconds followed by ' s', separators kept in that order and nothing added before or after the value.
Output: 5 h 07 min
